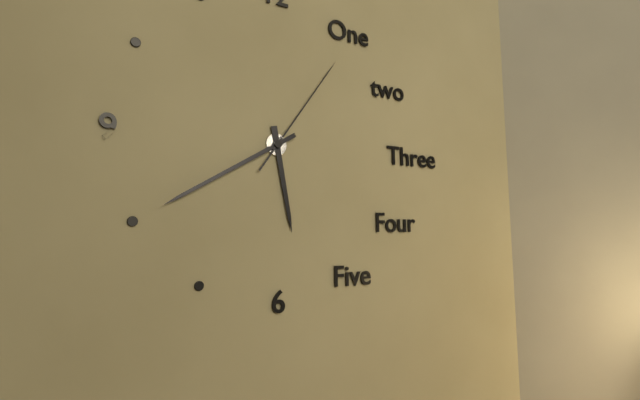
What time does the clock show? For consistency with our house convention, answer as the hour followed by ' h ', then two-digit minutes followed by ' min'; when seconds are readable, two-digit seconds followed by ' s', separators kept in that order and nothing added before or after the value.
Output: 5 h 40 min 06 s
